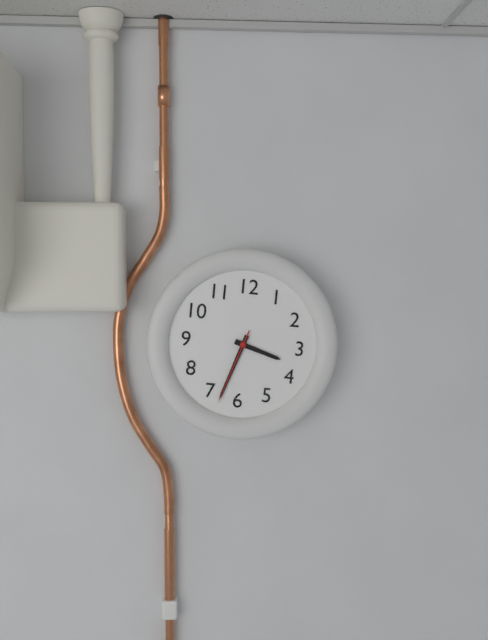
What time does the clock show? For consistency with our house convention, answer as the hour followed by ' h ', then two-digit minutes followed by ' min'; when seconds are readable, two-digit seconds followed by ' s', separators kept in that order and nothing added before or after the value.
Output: 3 h 33 min 33 s
